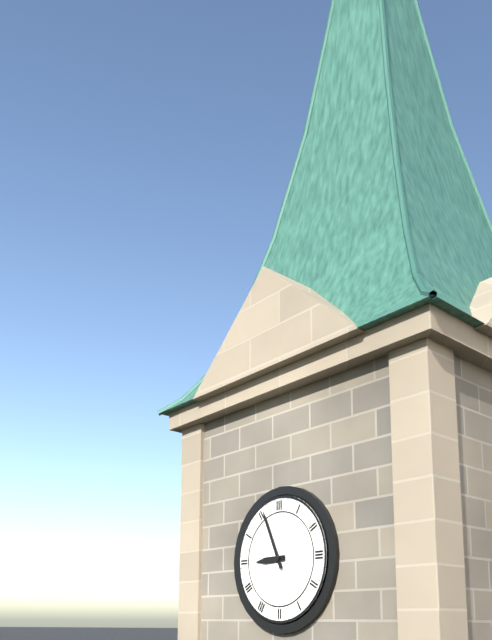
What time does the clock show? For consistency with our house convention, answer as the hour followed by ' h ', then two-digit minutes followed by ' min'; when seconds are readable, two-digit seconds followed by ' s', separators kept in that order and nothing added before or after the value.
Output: 8 h 56 min
